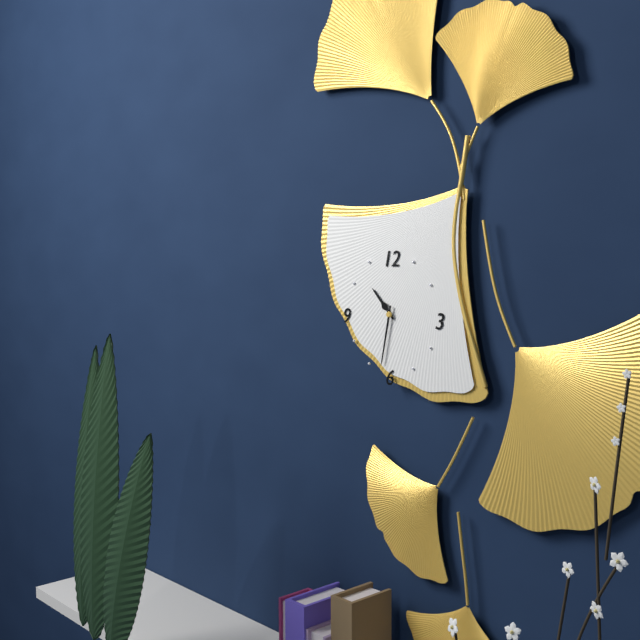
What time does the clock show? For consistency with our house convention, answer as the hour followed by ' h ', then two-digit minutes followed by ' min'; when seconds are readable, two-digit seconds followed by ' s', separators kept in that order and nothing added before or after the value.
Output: 10 h 32 min
